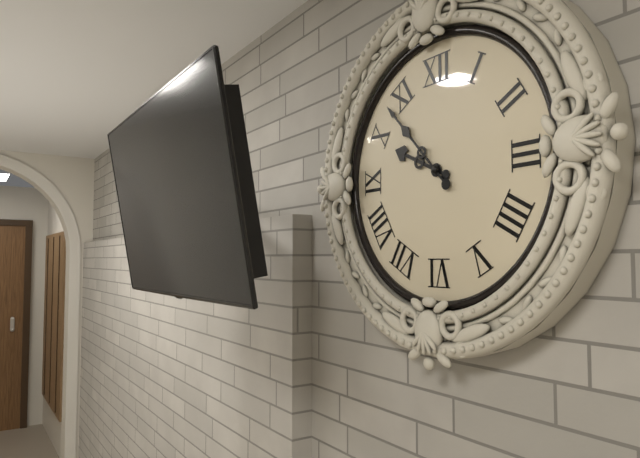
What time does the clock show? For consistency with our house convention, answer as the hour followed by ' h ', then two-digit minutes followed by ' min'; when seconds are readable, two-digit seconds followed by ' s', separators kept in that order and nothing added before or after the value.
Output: 9 h 53 min
